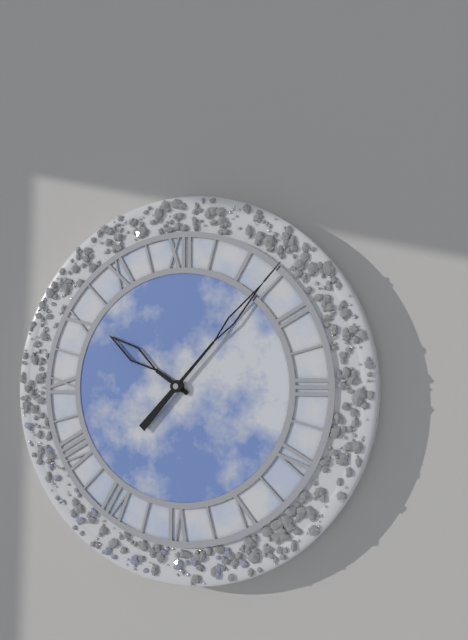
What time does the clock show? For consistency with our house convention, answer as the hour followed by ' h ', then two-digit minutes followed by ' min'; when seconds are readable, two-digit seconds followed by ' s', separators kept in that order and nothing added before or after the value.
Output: 10 h 07 min
